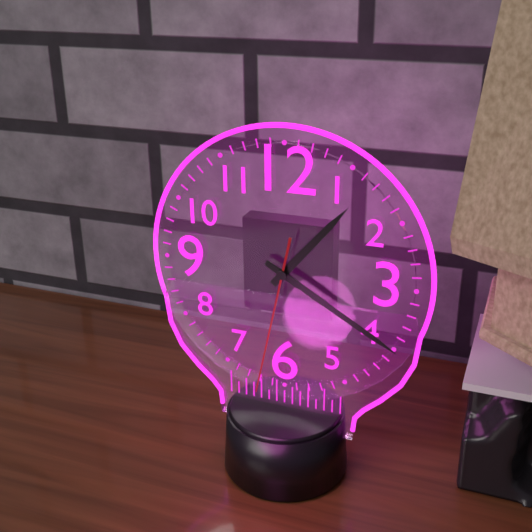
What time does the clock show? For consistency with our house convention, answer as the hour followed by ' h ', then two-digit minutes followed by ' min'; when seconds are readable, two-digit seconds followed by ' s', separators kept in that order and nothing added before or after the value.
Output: 1 h 20 min 32 s
